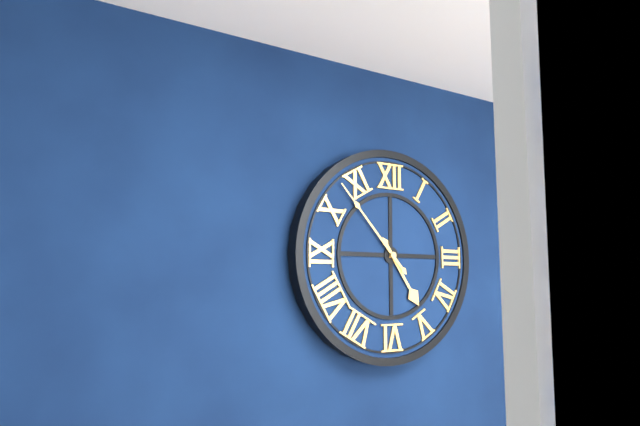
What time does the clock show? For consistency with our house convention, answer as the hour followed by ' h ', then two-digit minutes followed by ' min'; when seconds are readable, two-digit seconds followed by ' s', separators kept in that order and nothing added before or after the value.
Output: 4 h 53 min
